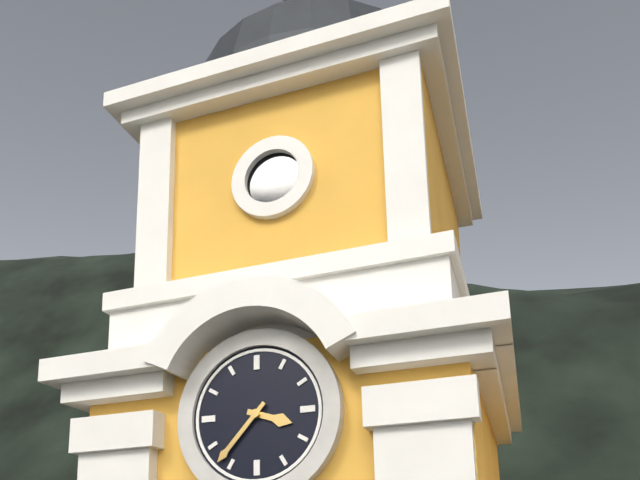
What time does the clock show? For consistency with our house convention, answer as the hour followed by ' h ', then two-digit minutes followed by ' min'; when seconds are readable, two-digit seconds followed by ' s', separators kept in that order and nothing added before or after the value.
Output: 3 h 37 min
